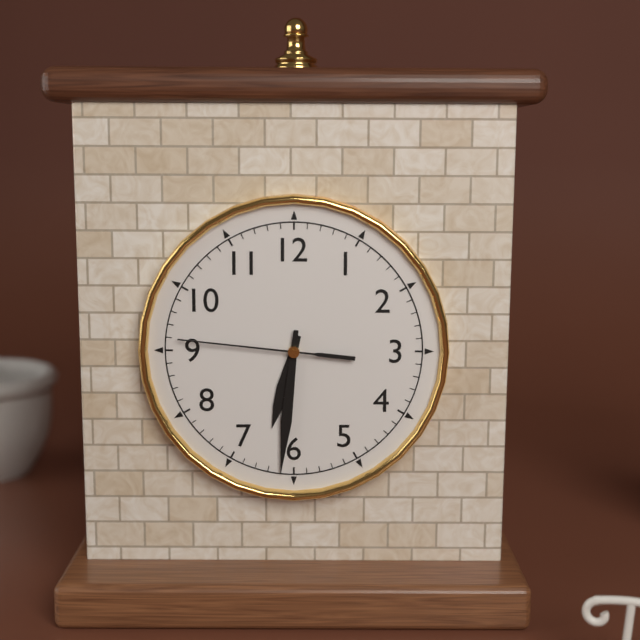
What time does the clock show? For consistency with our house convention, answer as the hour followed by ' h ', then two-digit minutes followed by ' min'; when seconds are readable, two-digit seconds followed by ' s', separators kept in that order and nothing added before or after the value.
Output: 6 h 31 min 46 s
